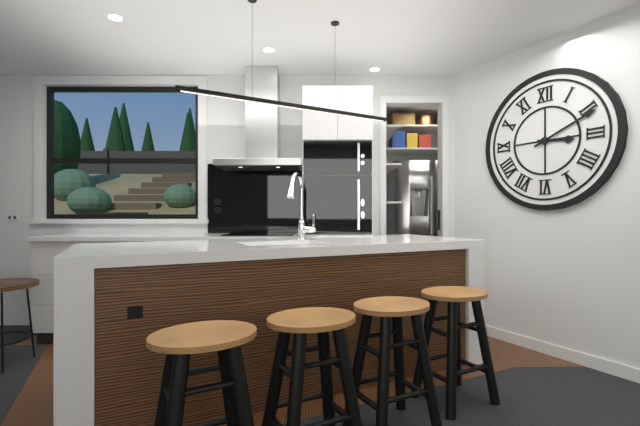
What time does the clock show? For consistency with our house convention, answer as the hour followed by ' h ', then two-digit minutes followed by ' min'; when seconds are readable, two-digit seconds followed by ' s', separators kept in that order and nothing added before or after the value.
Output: 3 h 11 min
